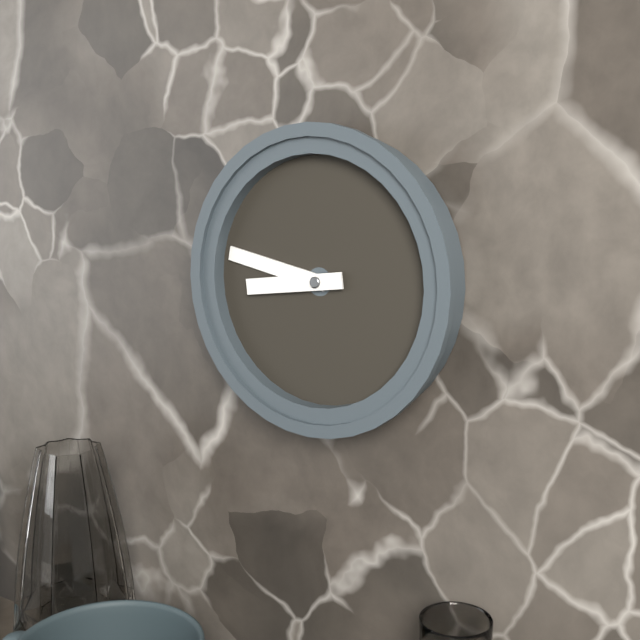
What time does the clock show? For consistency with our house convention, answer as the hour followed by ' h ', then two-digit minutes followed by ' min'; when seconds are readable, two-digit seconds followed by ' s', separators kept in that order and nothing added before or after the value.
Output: 8 h 47 min
